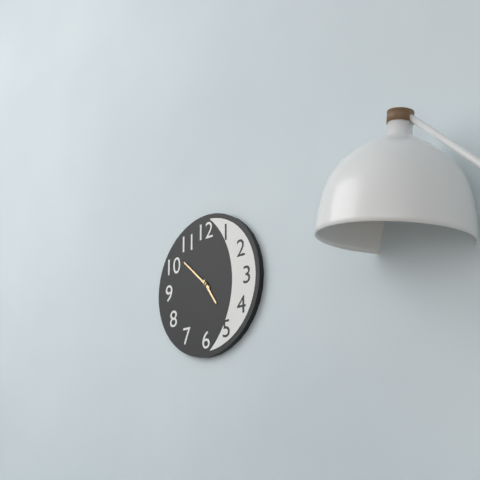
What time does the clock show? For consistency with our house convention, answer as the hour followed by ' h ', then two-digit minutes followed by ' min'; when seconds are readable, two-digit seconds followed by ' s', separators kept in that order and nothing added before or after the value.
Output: 4 h 52 min
